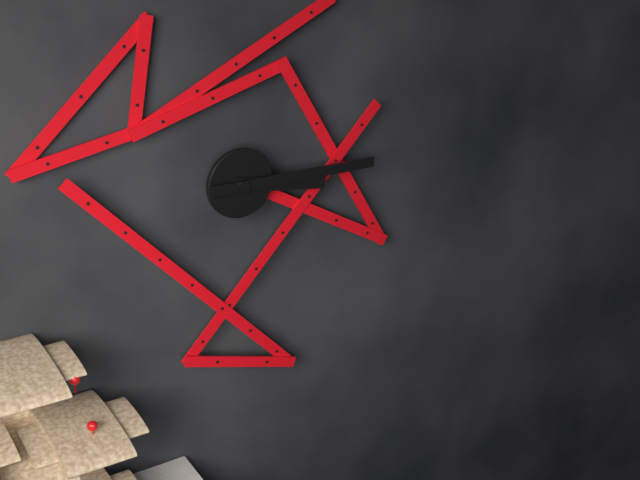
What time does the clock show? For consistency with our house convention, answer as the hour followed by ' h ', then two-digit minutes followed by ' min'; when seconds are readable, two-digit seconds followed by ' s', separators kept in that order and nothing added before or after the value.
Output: 3 h 15 min
